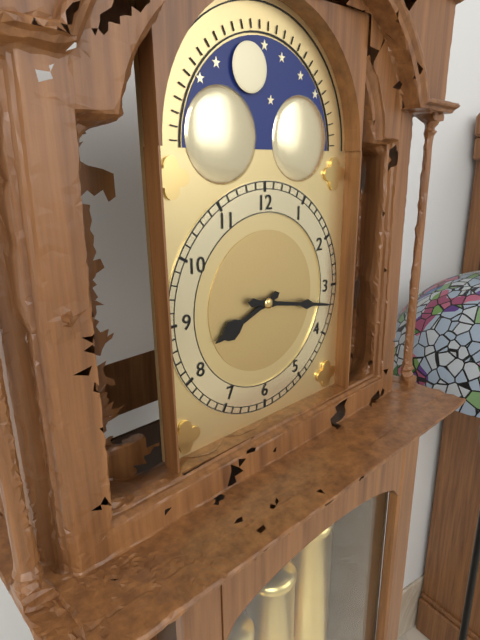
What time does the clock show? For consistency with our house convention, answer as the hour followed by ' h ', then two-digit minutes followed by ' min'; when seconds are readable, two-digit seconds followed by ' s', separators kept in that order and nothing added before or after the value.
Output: 8 h 17 min
